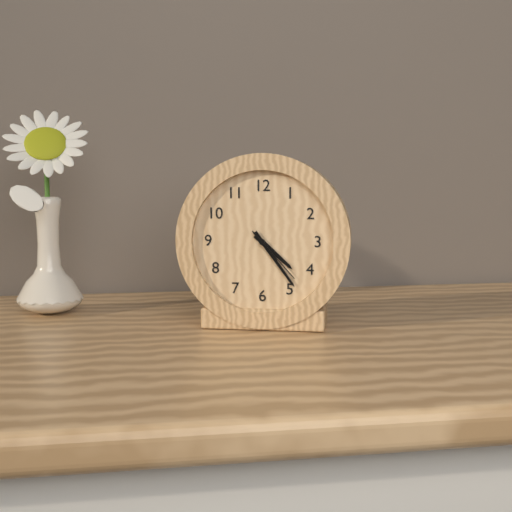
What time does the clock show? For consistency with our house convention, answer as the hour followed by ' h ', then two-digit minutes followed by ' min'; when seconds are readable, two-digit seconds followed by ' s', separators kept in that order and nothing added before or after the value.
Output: 4 h 24 min 23 s
